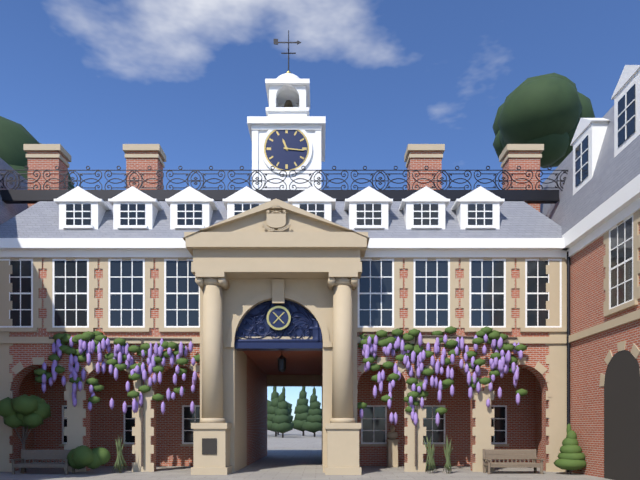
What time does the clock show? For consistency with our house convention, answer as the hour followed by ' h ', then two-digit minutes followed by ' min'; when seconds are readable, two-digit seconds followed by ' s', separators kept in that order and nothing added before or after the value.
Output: 11 h 16 min
